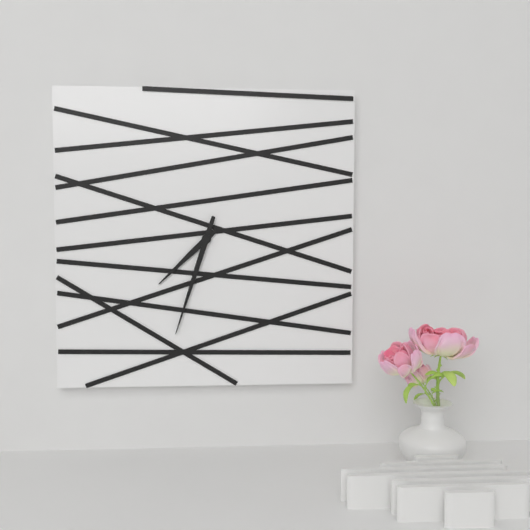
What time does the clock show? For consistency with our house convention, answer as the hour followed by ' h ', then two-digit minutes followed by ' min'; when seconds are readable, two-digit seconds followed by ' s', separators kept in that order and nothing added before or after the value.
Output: 7 h 33 min
